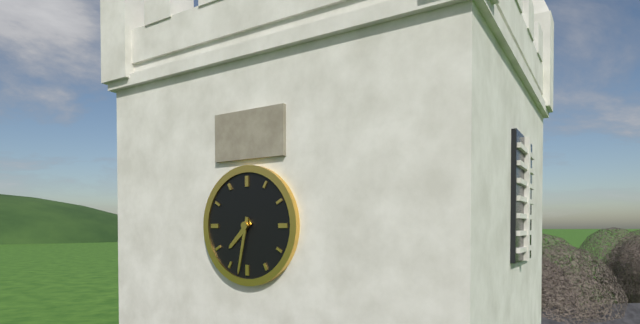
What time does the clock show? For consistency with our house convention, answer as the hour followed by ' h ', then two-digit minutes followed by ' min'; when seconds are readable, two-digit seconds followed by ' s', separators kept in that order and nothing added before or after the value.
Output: 7 h 32 min
